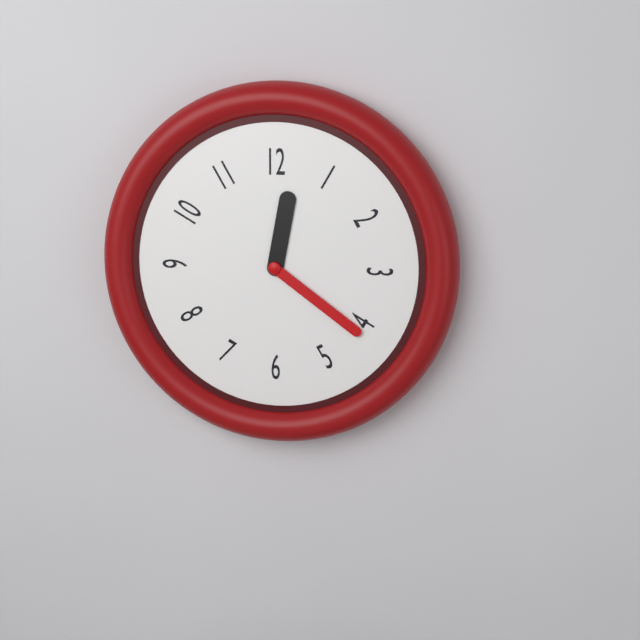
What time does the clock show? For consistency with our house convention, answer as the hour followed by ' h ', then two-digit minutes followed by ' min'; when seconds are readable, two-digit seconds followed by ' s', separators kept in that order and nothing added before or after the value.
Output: 12 h 21 min
